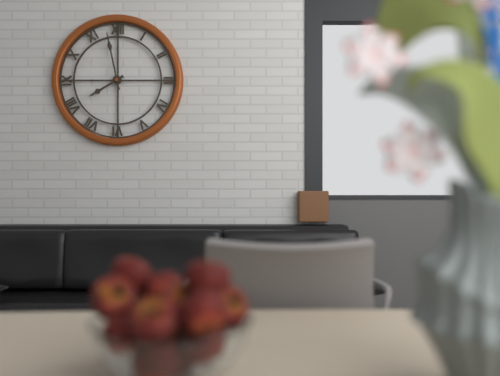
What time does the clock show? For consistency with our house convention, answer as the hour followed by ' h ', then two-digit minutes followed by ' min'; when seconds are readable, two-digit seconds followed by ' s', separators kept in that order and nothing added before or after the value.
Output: 7 h 58 min
